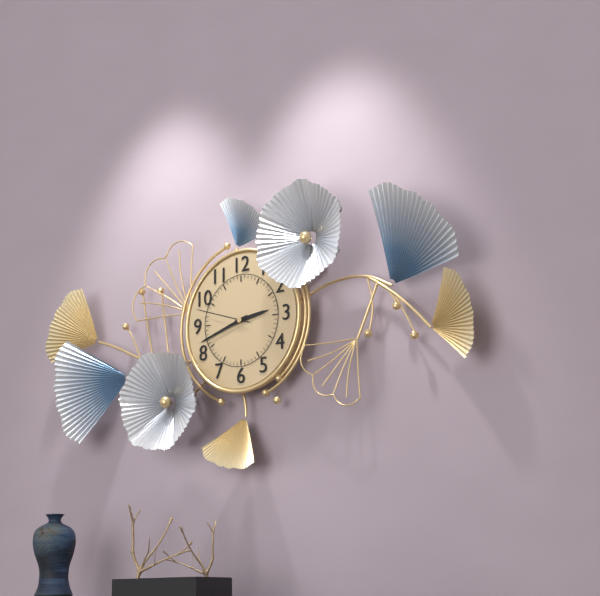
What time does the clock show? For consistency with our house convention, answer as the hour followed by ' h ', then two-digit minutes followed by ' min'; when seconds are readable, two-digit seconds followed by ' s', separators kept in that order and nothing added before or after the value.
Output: 2 h 42 min 48 s
